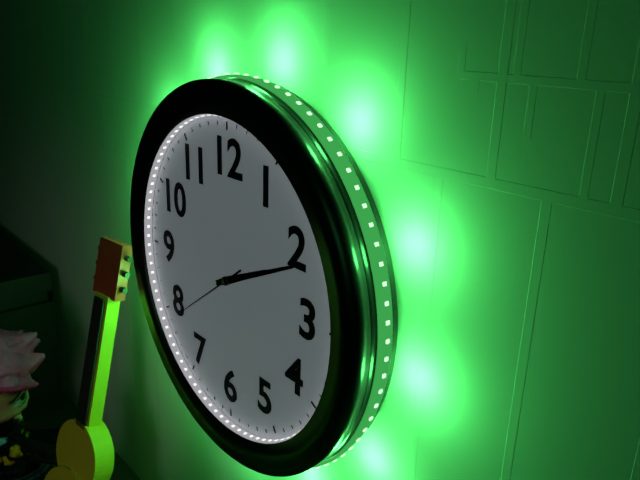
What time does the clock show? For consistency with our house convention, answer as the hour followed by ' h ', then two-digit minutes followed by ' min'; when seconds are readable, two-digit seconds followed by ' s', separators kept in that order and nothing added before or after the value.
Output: 2 h 11 min 39 s
